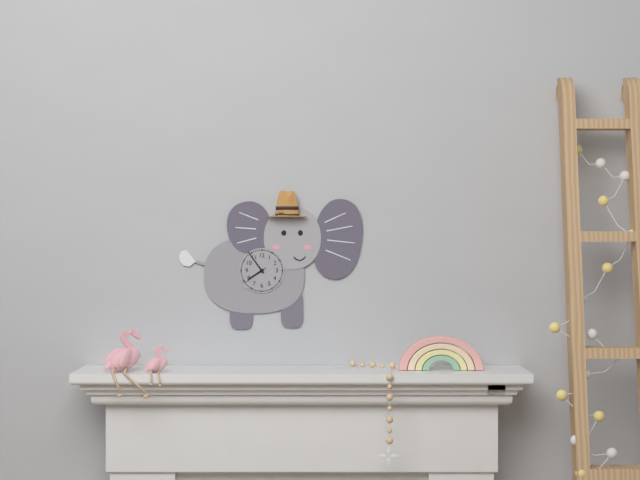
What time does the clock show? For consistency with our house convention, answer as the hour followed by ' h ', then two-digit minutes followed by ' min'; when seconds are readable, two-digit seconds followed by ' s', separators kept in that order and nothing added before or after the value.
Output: 7 h 54 min
